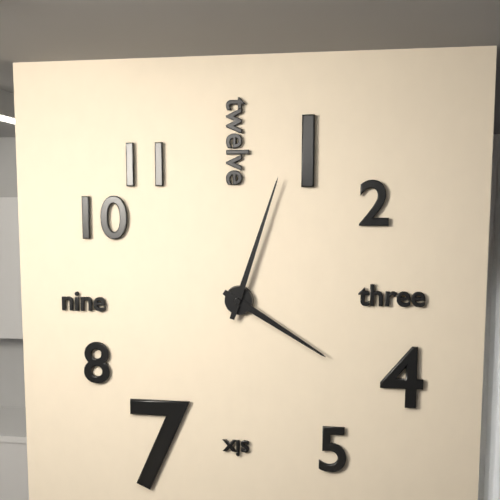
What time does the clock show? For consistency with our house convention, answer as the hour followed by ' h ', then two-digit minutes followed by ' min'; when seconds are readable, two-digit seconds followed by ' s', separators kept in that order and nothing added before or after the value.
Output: 4 h 03 min
